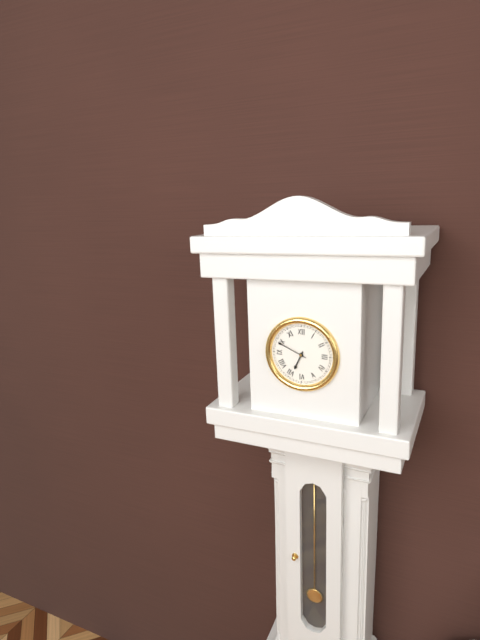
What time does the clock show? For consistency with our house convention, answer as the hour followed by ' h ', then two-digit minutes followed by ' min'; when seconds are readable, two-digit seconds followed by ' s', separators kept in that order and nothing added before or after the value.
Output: 6 h 49 min
